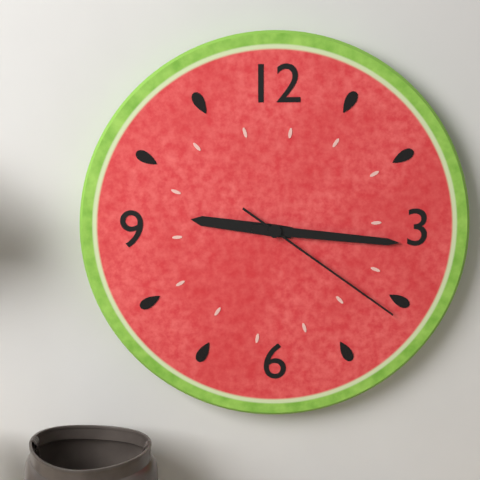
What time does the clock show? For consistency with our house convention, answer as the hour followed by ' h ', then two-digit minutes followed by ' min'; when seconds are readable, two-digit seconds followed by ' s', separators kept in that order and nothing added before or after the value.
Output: 9 h 16 min 21 s
